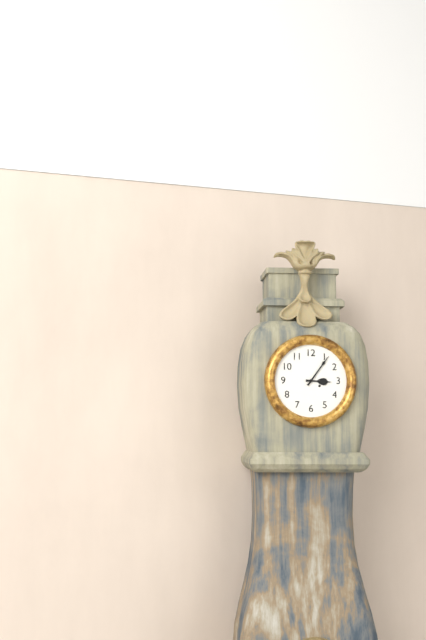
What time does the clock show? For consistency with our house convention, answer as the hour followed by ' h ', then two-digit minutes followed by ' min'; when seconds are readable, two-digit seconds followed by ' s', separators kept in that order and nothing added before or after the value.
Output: 3 h 06 min
